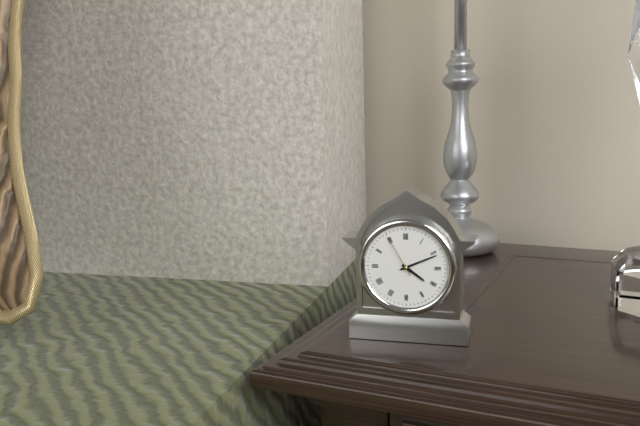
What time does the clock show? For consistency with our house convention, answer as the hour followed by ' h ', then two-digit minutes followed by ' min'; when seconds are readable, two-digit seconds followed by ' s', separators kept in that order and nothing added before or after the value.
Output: 4 h 11 min
